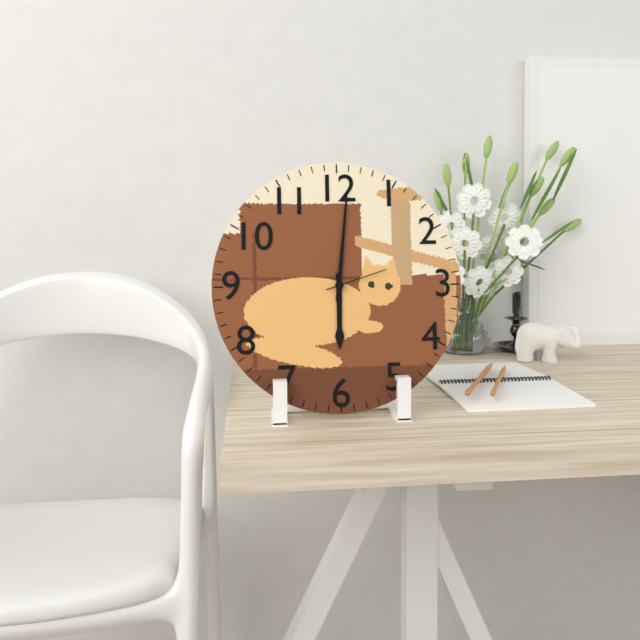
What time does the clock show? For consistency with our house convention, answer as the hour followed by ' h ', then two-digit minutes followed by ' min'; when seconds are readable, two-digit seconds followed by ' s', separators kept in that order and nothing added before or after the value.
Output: 6 h 01 min 12 s
